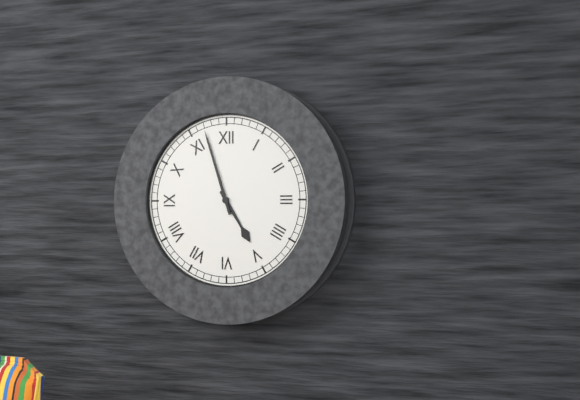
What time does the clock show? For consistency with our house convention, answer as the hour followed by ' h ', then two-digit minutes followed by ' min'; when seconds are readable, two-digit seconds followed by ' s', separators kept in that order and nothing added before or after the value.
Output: 4 h 57 min
